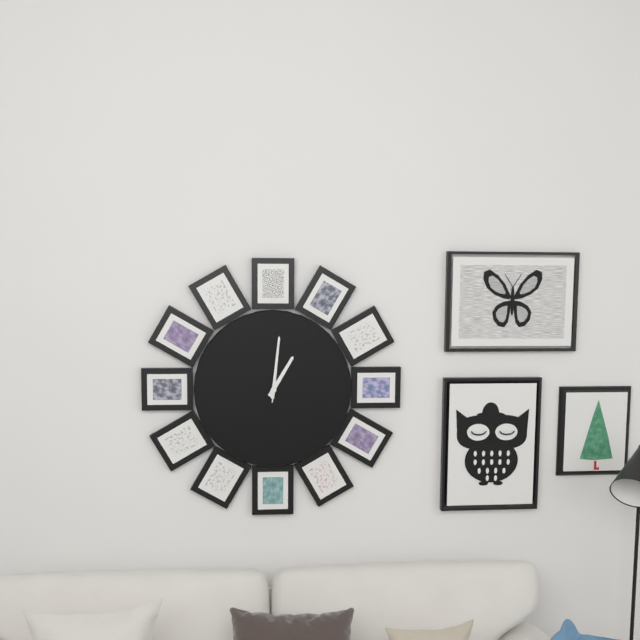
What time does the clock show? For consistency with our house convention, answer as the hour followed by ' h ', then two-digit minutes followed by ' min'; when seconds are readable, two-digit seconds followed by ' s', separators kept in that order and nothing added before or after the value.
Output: 1 h 01 min 01 s
